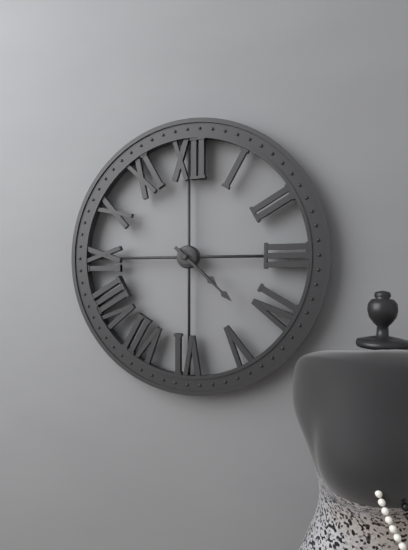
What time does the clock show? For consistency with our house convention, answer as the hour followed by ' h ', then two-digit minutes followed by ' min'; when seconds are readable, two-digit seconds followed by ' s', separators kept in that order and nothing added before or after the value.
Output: 4 h 22 min
